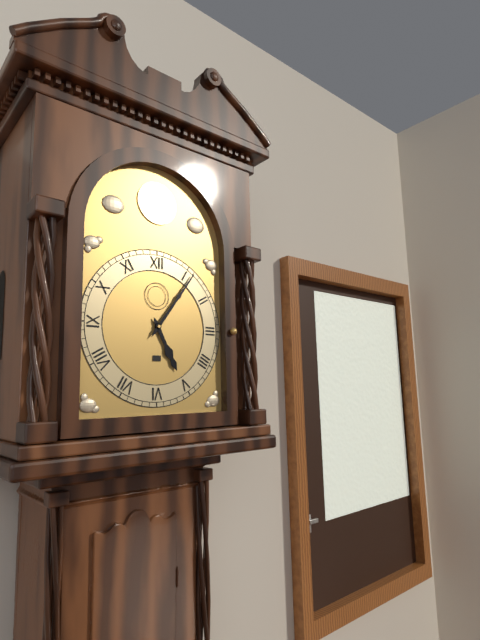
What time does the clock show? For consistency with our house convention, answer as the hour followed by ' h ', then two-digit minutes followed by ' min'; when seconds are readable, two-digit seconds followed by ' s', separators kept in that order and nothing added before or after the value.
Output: 5 h 06 min
